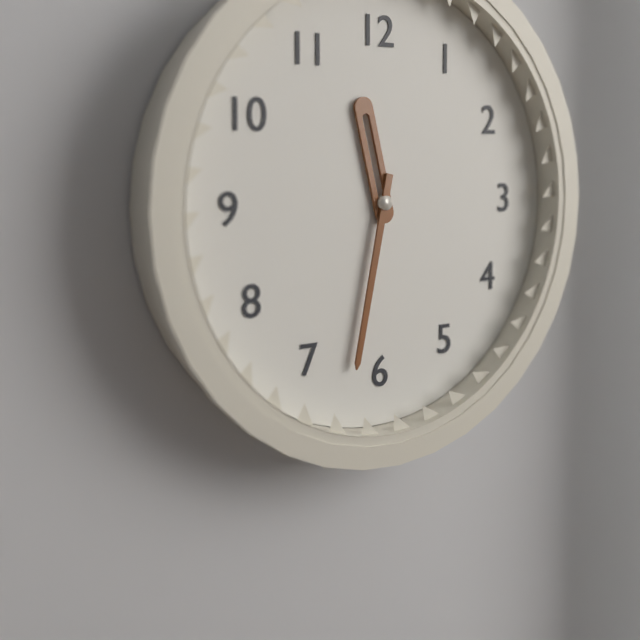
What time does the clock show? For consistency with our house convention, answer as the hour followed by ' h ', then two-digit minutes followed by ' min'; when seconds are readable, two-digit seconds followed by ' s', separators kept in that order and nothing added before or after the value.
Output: 11 h 32 min
